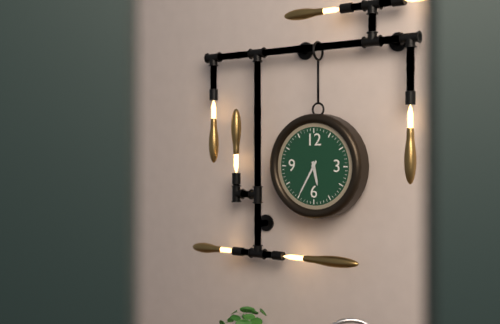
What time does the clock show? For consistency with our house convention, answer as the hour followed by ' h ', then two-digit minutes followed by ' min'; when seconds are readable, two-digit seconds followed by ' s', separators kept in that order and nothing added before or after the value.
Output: 5 h 35 min
